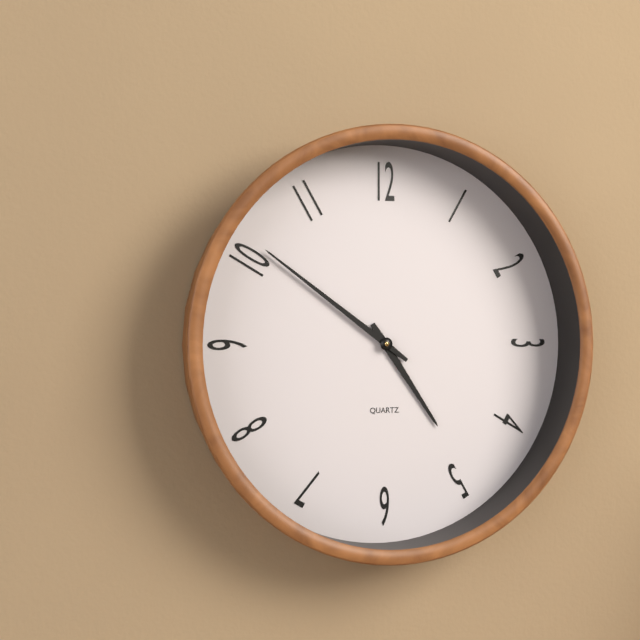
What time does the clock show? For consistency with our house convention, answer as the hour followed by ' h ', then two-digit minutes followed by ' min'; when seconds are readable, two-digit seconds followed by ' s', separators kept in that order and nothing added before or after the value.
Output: 4 h 51 min
